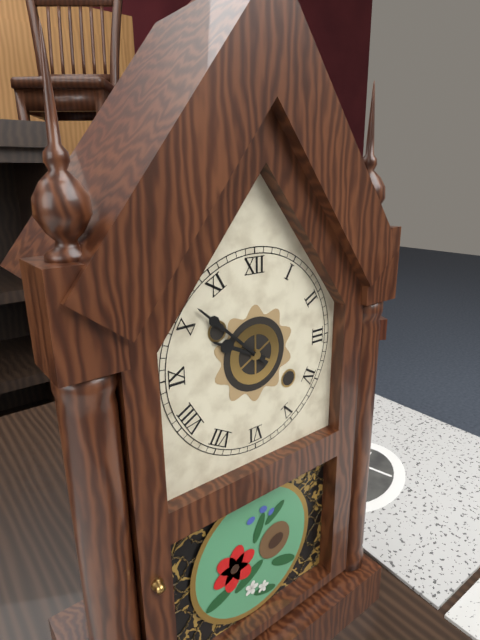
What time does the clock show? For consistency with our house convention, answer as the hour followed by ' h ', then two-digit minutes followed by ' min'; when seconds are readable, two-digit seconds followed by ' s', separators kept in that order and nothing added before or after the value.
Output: 9 h 52 min
